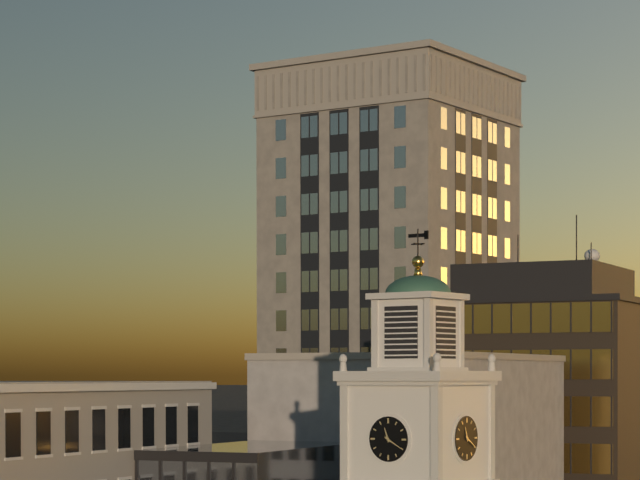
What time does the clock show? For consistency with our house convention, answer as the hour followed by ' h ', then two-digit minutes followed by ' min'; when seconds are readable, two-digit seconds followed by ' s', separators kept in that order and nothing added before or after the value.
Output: 11 h 20 min
